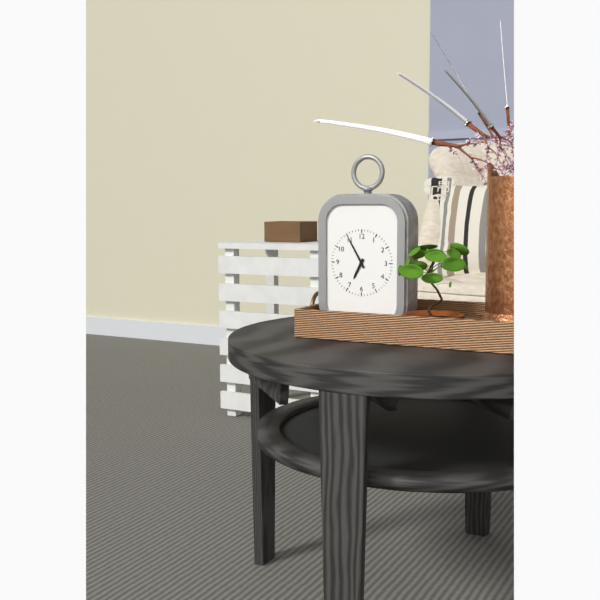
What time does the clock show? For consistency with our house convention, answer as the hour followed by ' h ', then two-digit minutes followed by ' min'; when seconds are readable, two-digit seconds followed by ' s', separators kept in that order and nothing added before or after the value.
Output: 6 h 55 min
